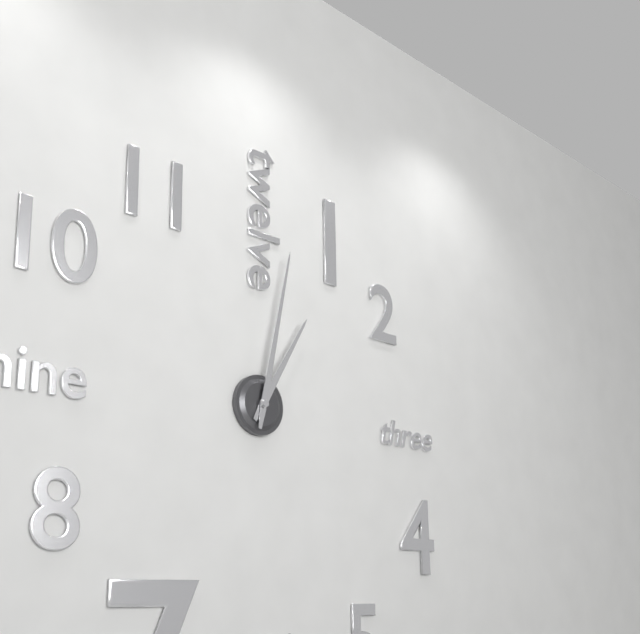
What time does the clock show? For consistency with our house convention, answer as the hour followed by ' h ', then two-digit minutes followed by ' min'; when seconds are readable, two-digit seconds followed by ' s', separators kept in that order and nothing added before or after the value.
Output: 1 h 02 min
